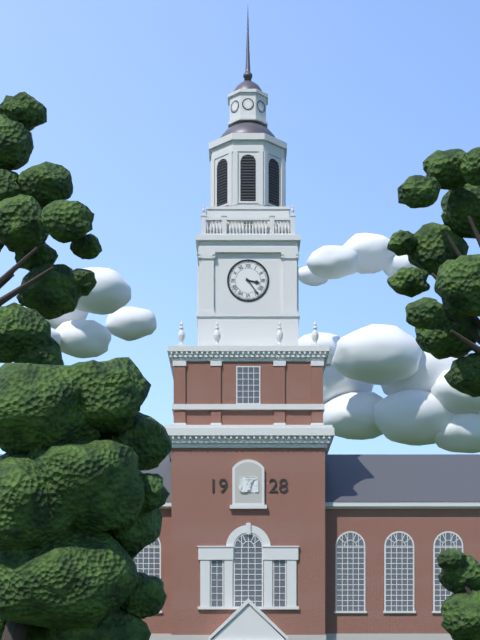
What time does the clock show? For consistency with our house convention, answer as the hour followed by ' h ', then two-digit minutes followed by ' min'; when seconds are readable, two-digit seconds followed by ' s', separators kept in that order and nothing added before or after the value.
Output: 3 h 24 min
